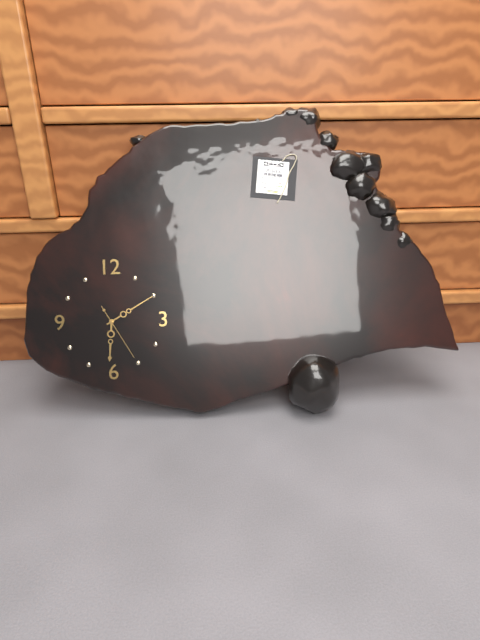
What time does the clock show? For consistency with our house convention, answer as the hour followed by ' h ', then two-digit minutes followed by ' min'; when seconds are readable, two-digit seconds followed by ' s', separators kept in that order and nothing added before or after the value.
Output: 6 h 10 min 25 s
